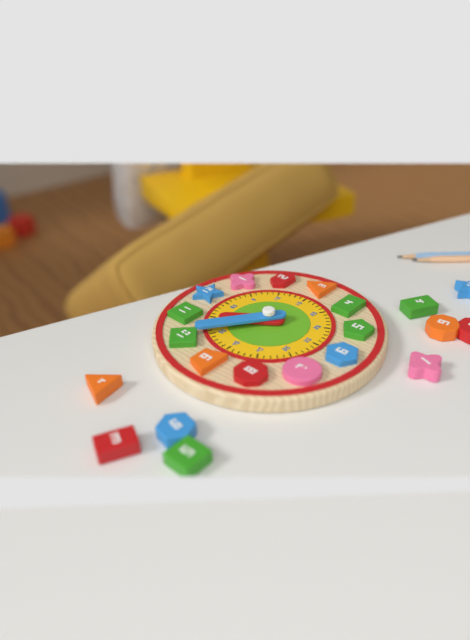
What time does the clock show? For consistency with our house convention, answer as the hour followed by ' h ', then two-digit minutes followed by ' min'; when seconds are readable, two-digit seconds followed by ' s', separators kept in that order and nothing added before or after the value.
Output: 10 h 51 min
